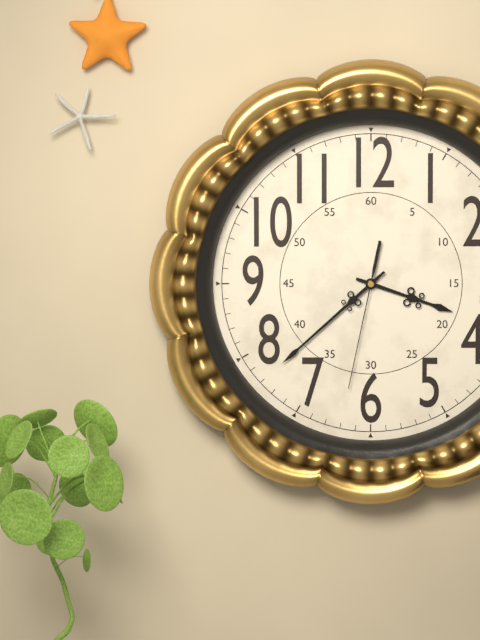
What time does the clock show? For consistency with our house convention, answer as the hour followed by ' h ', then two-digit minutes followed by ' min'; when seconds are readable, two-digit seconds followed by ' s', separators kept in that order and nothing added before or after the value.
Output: 3 h 38 min 32 s
